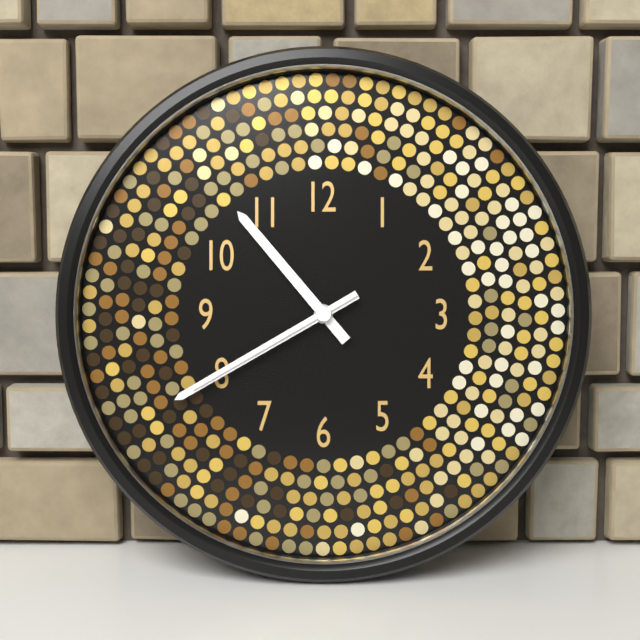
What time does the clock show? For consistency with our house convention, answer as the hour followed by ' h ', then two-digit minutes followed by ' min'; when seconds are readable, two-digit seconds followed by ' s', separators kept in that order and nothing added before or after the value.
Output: 10 h 40 min 40 s
